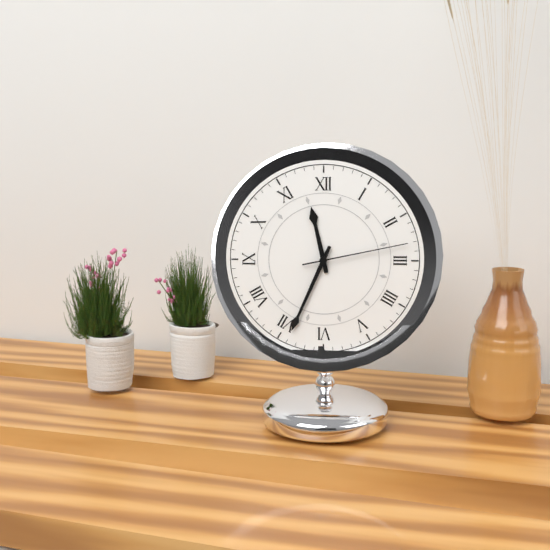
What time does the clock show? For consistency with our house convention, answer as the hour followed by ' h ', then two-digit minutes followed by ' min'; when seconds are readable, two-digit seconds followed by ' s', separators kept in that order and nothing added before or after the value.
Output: 11 h 34 min 13 s
